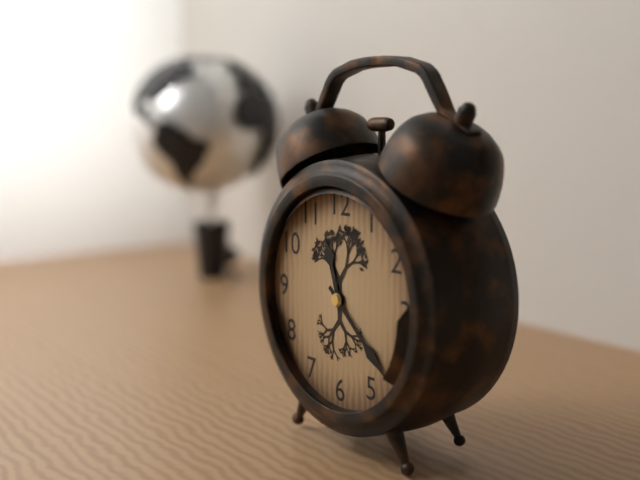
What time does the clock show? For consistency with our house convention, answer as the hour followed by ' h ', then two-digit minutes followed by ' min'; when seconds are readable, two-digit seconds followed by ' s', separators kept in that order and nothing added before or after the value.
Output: 11 h 22 min
